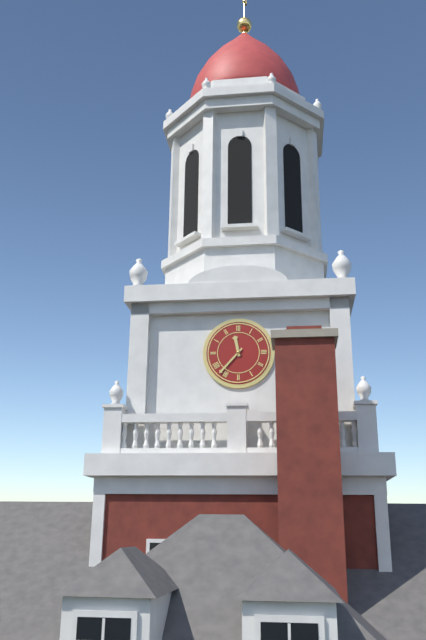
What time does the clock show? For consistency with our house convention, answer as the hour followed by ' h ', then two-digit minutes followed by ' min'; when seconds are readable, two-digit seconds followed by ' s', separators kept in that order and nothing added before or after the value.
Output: 11 h 37 min
